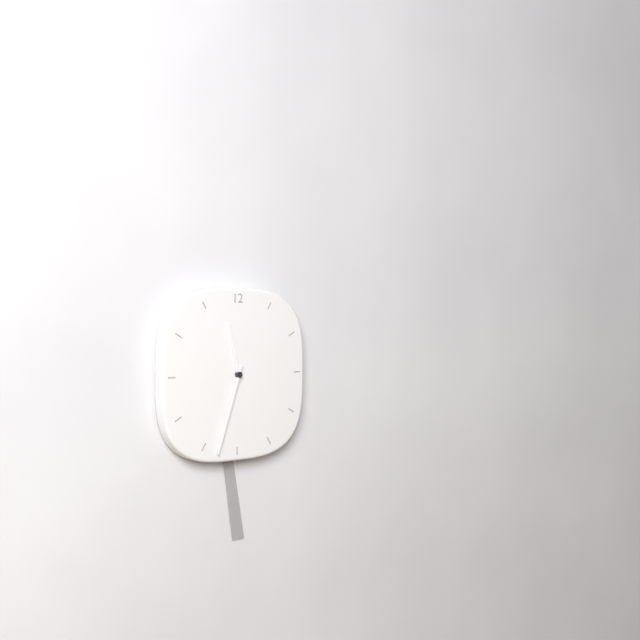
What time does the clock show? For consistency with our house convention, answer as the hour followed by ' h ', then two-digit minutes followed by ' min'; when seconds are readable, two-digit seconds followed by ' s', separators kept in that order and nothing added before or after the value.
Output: 11 h 33 min
